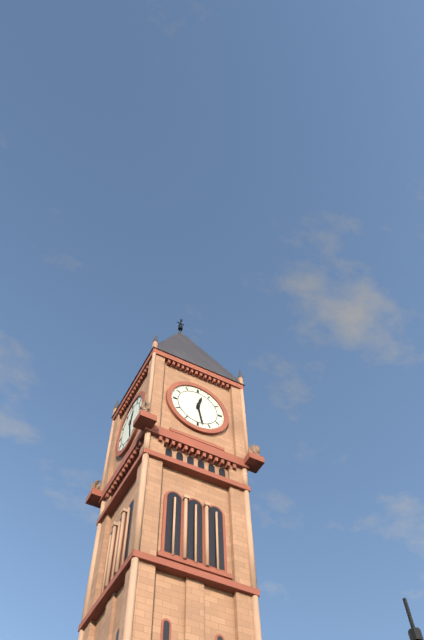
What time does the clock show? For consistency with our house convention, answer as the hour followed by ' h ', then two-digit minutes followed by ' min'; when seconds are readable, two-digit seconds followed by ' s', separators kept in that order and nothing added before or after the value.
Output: 12 h 28 min
